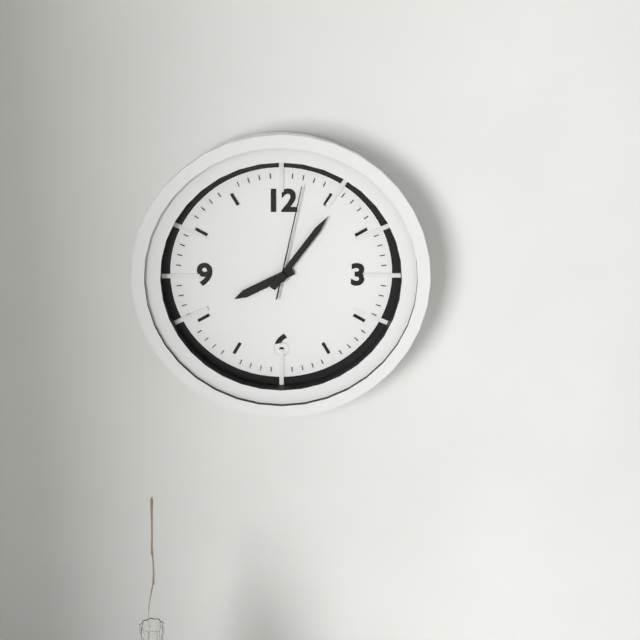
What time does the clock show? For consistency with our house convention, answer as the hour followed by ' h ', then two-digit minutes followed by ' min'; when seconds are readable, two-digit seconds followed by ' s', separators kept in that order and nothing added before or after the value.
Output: 8 h 06 min 02 s
